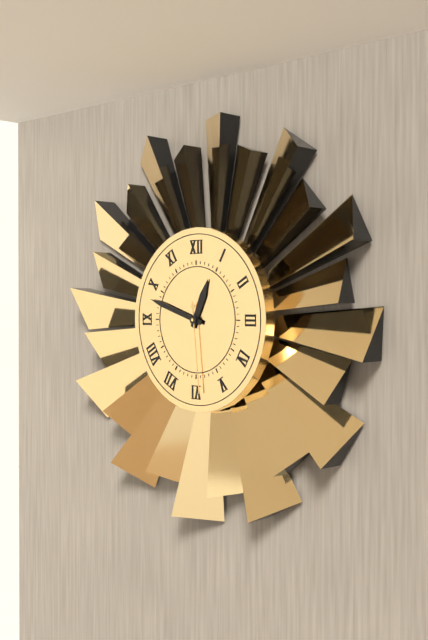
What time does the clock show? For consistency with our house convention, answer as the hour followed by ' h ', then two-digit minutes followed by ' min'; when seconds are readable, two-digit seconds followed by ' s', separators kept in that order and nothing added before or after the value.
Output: 12 h 48 min 29 s
